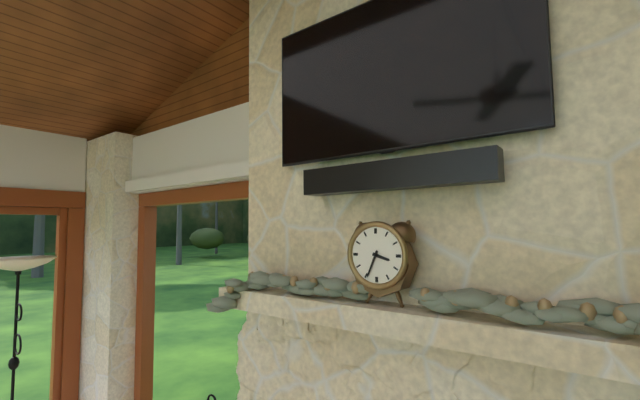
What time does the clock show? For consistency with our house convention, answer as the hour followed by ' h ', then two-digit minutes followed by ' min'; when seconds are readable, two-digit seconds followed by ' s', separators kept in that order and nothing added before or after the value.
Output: 3 h 34 min
